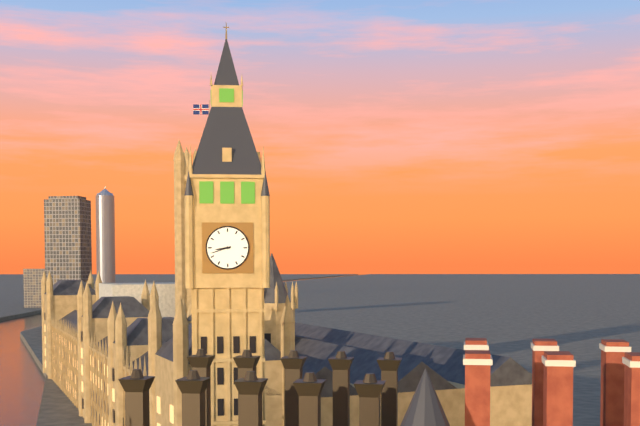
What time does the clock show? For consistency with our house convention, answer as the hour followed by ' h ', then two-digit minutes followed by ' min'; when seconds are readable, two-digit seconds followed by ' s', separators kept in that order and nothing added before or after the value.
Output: 8 h 42 min
